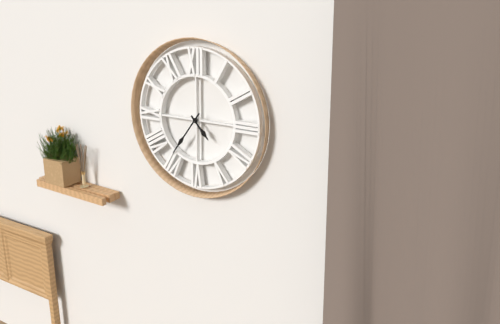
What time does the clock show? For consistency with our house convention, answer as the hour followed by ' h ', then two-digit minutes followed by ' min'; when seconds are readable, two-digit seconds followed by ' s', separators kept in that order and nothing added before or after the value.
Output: 4 h 36 min
